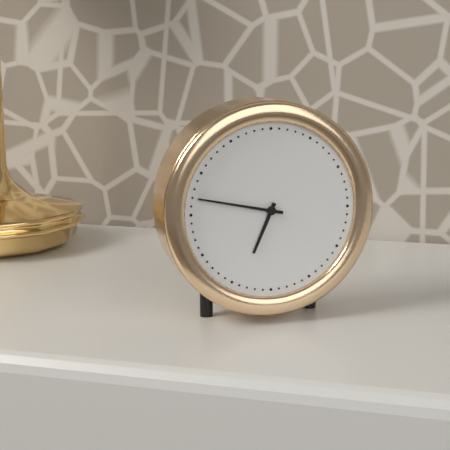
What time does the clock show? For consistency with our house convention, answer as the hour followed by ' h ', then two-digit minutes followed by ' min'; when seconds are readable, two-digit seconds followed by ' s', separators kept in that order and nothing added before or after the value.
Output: 6 h 47 min
